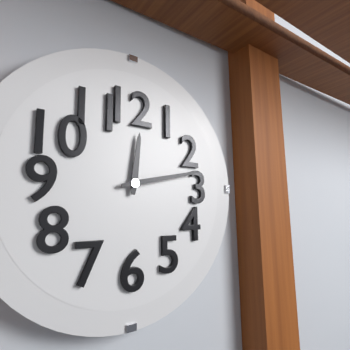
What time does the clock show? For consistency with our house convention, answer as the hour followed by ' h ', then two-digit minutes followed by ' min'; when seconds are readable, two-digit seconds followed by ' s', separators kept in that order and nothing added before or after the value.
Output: 12 h 13 min
